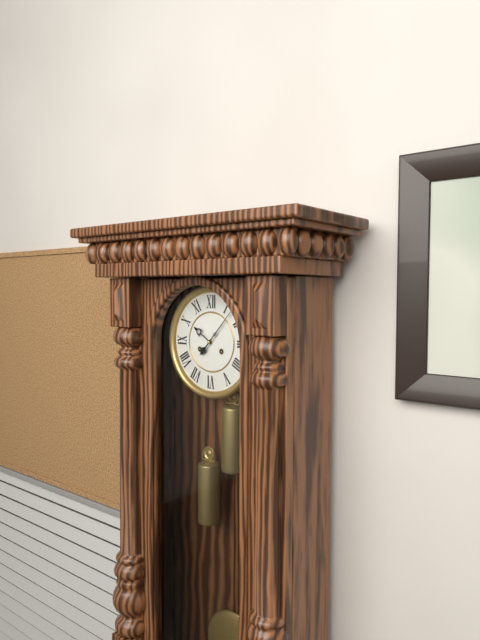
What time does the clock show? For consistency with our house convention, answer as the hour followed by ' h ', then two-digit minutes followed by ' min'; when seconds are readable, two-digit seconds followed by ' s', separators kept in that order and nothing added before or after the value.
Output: 10 h 07 min
